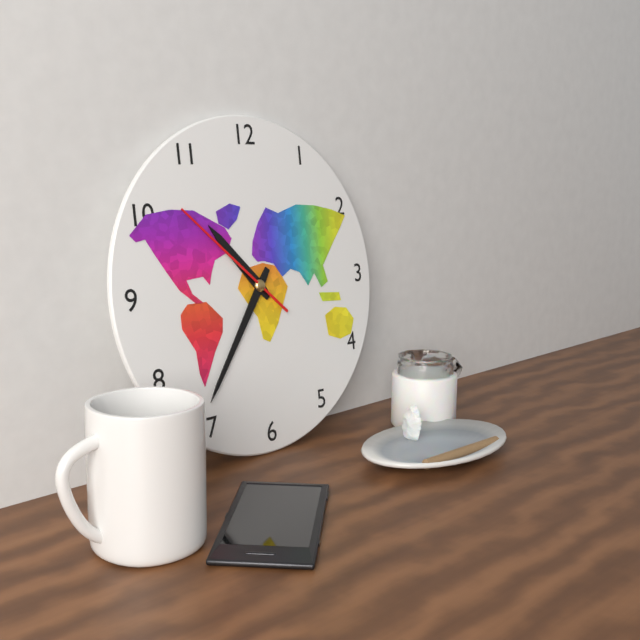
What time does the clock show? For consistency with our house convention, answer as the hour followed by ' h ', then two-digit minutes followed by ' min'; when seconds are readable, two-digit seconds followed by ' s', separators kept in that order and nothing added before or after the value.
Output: 10 h 36 min 52 s
